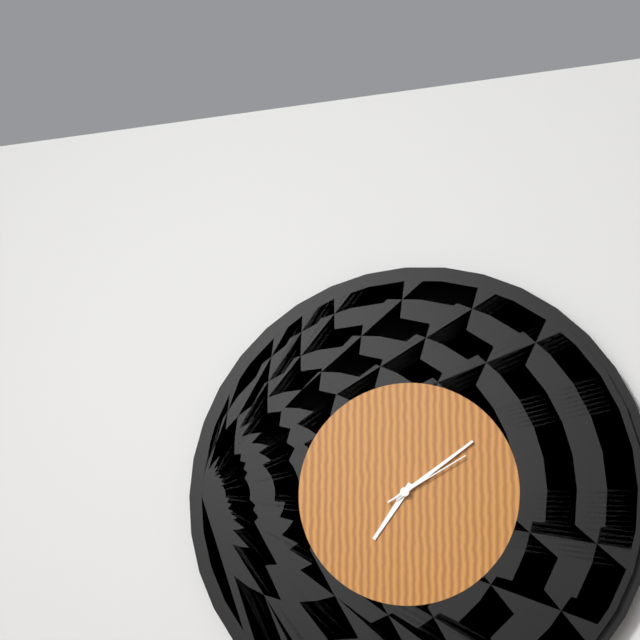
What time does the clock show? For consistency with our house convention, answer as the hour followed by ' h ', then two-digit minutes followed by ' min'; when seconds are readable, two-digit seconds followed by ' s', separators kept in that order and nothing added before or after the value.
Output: 7 h 09 min 10 s
